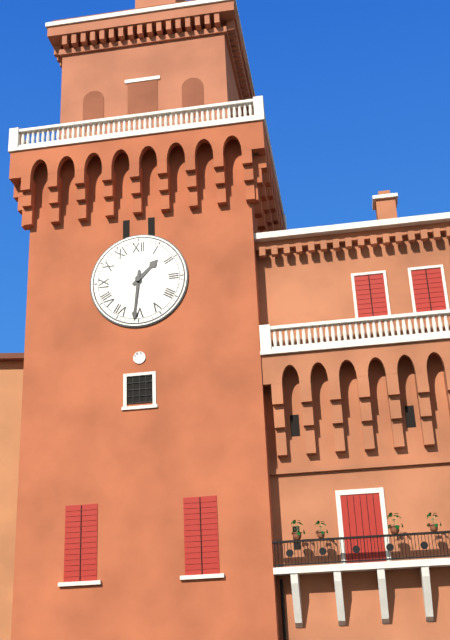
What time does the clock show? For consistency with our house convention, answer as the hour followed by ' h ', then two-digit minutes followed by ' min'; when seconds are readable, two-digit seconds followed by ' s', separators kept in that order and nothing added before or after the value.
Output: 1 h 31 min
